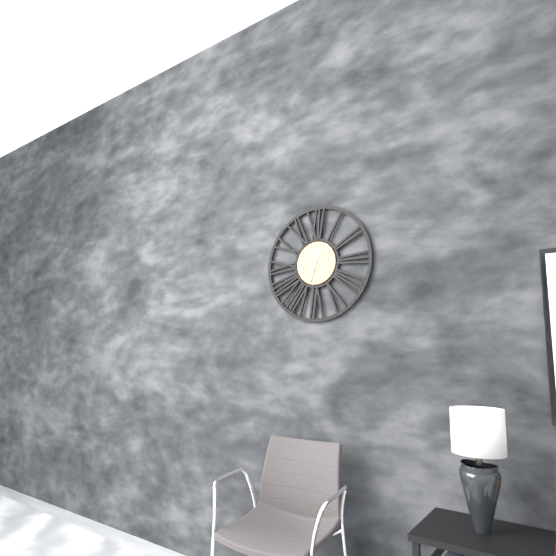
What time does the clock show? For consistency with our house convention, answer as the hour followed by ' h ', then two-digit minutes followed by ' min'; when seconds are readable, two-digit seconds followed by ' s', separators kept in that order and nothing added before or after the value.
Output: 12 h 33 min
